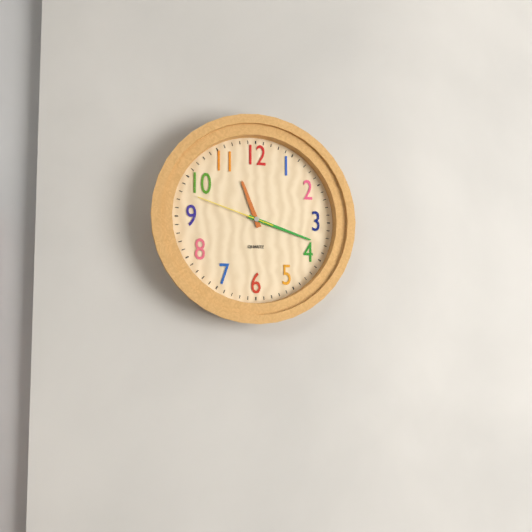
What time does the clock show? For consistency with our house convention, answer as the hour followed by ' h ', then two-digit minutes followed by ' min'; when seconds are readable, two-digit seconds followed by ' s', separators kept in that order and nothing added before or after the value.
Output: 11 h 18 min 48 s
